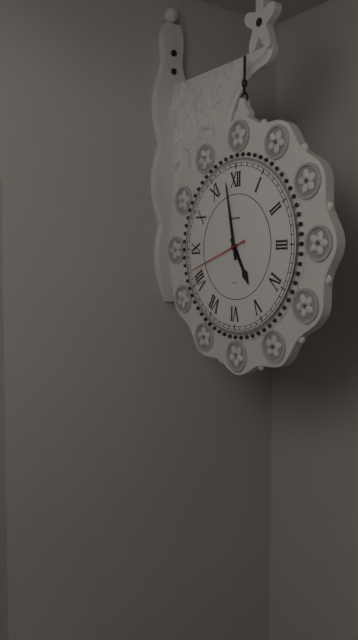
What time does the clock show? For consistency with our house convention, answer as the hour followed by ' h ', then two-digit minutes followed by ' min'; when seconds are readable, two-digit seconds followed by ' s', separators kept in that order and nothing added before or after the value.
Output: 4 h 58 min 42 s
